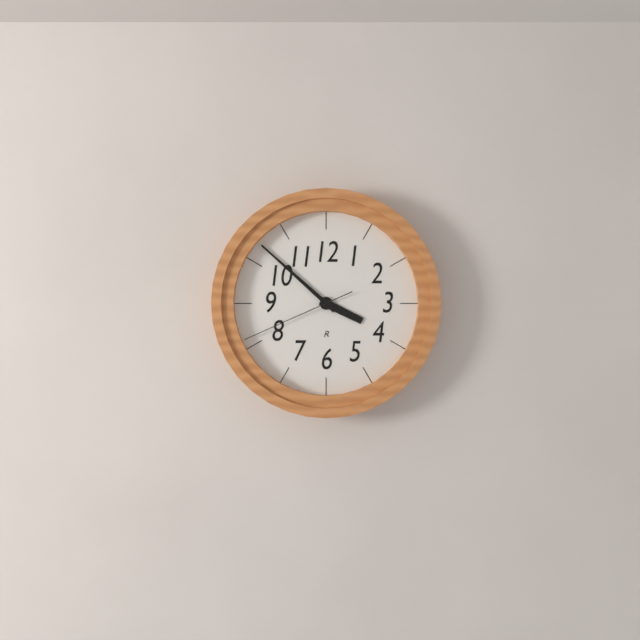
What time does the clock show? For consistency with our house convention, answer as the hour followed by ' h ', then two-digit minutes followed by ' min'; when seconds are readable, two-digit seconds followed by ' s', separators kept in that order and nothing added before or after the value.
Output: 3 h 52 min 41 s
